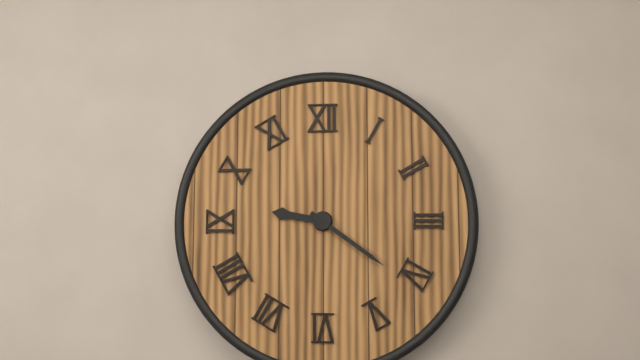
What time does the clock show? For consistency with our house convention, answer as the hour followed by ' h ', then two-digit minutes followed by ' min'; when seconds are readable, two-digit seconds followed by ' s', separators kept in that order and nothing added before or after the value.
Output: 9 h 21 min
